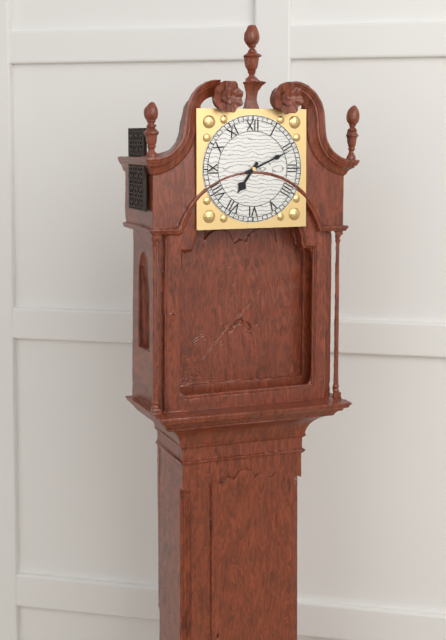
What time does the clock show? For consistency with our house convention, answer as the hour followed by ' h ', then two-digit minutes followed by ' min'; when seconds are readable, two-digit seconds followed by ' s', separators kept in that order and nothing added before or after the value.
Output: 7 h 11 min
